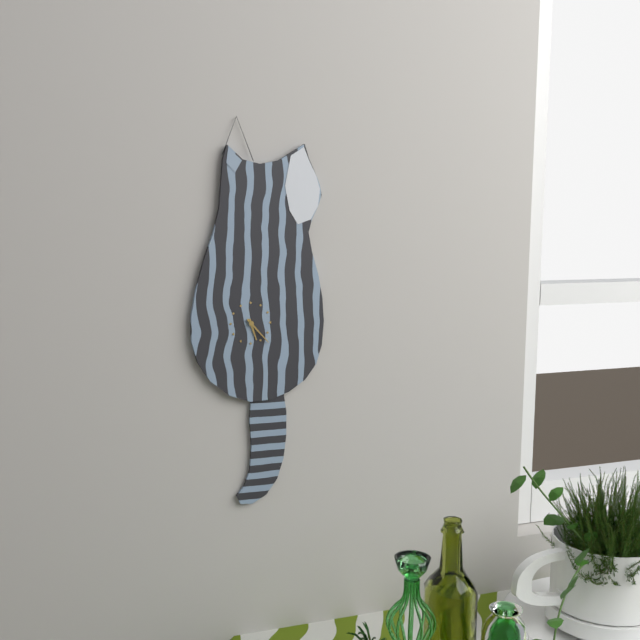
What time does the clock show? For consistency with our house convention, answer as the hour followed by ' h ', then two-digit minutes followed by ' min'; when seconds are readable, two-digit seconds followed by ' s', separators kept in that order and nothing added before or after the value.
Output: 5 h 23 min
